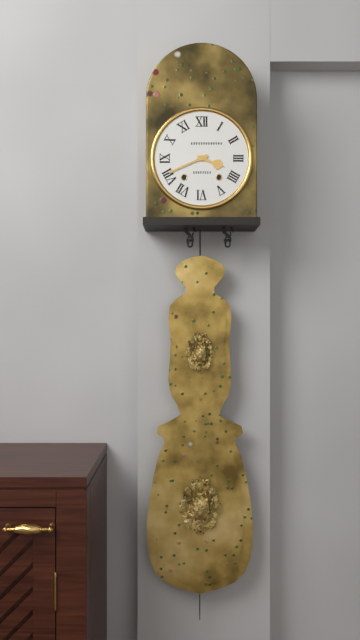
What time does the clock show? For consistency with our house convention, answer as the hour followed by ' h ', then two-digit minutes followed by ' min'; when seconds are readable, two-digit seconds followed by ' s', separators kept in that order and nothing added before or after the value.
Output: 3 h 41 min
